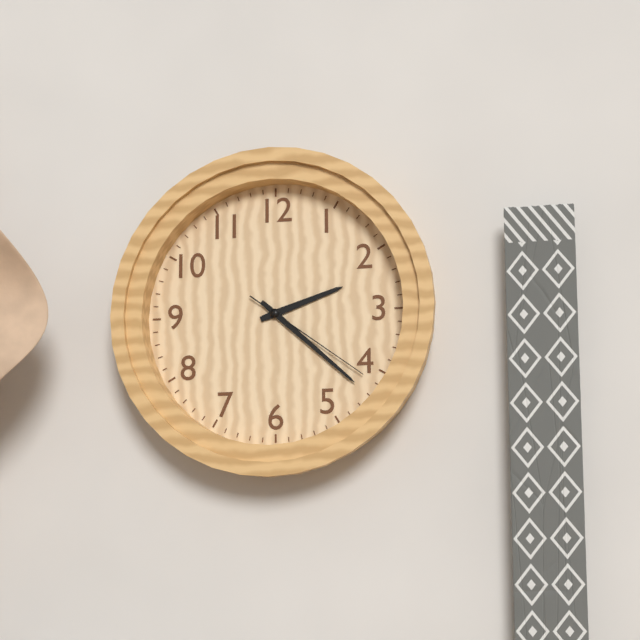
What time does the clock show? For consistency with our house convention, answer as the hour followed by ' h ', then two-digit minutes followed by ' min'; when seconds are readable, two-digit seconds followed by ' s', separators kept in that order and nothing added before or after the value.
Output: 2 h 22 min 21 s
